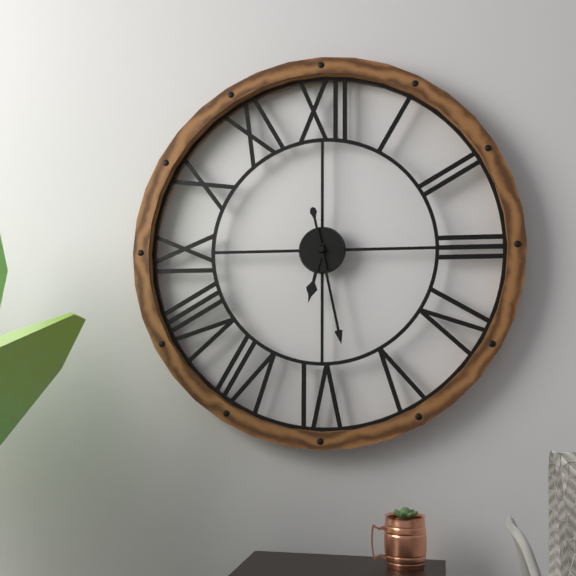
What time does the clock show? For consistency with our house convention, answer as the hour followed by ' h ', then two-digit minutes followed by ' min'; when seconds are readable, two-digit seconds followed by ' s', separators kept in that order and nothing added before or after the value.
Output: 6 h 28 min
